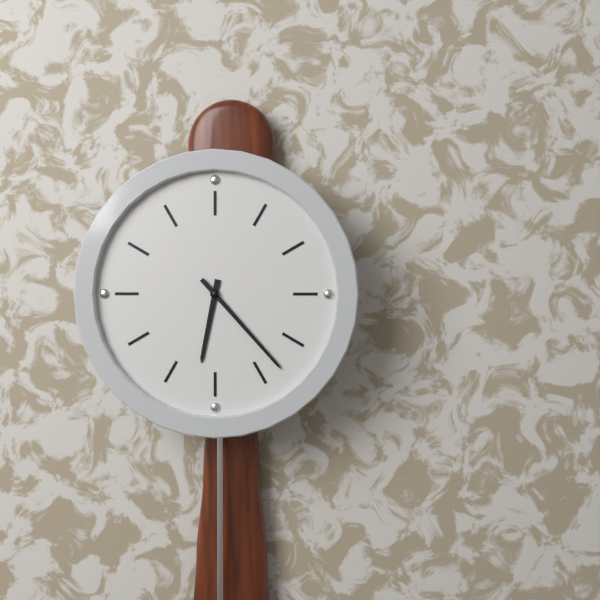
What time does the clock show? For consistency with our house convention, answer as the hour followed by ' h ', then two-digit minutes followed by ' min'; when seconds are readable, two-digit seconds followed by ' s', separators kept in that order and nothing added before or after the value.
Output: 6 h 23 min
